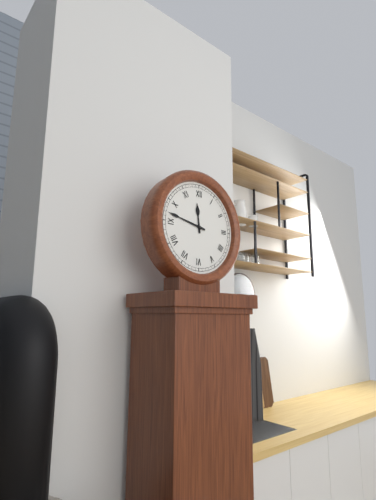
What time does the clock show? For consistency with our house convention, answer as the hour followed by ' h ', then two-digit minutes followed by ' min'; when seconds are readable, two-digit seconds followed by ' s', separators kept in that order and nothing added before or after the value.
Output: 11 h 47 min
